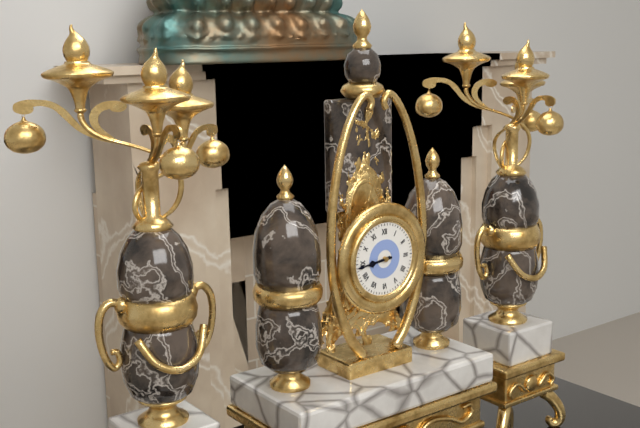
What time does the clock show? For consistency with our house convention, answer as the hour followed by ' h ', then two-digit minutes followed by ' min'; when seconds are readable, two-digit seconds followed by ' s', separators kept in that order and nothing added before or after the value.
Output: 8 h 44 min
